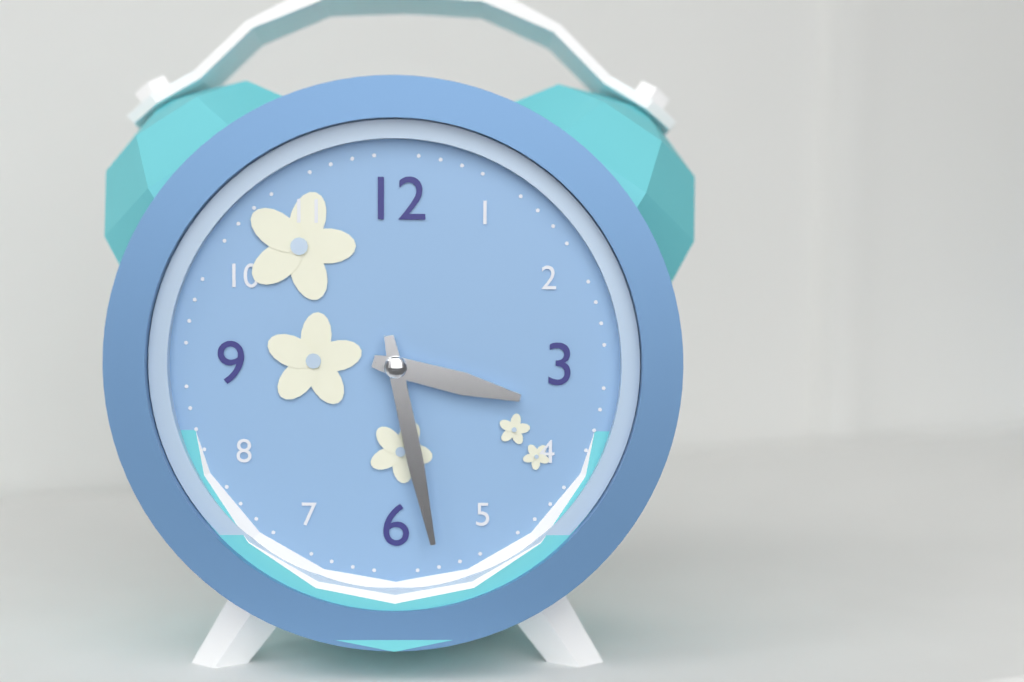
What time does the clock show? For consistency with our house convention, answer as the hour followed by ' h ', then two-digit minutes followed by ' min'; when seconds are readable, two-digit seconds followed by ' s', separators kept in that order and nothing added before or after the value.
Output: 3 h 28 min
